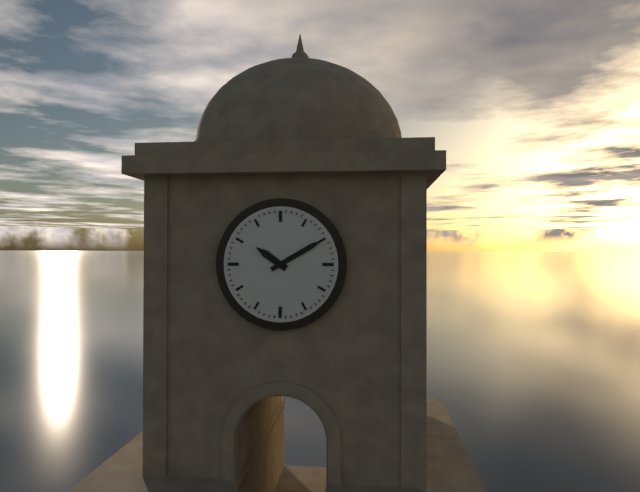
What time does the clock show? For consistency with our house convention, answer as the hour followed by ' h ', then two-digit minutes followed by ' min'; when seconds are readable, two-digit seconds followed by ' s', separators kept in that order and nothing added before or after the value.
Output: 10 h 10 min
